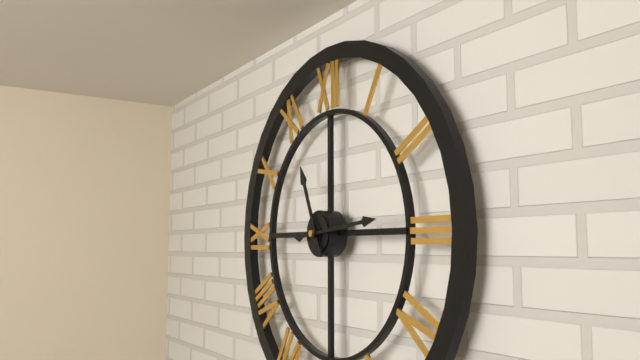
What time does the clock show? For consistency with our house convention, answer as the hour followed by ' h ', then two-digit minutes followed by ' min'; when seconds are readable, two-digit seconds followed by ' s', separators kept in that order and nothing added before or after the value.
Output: 11 h 14 min
